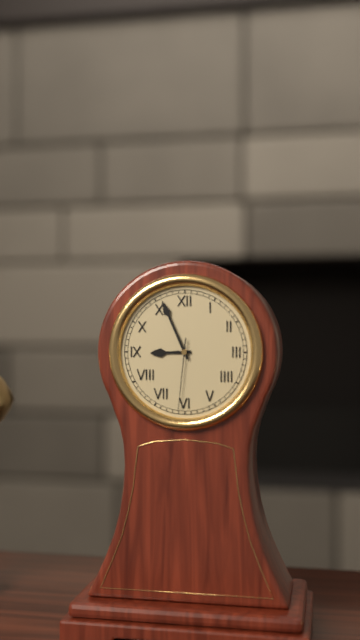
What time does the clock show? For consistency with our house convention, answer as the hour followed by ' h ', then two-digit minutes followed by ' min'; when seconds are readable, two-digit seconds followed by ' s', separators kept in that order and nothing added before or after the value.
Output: 8 h 56 min 31 s
